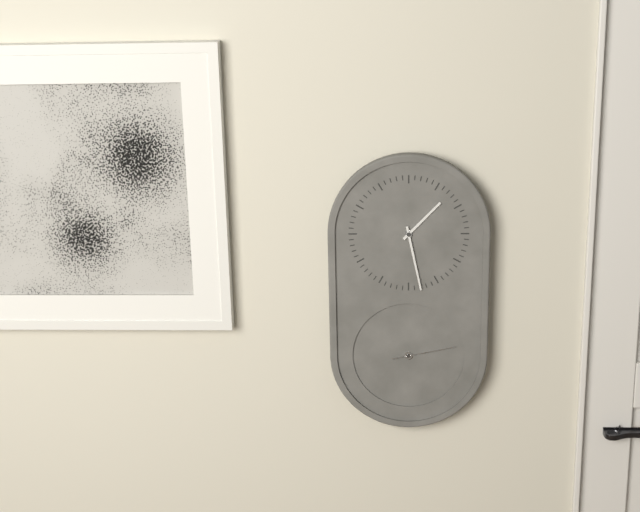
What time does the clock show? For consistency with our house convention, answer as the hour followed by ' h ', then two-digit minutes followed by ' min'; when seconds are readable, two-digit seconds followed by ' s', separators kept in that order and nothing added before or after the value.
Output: 1 h 28 min 13 s
